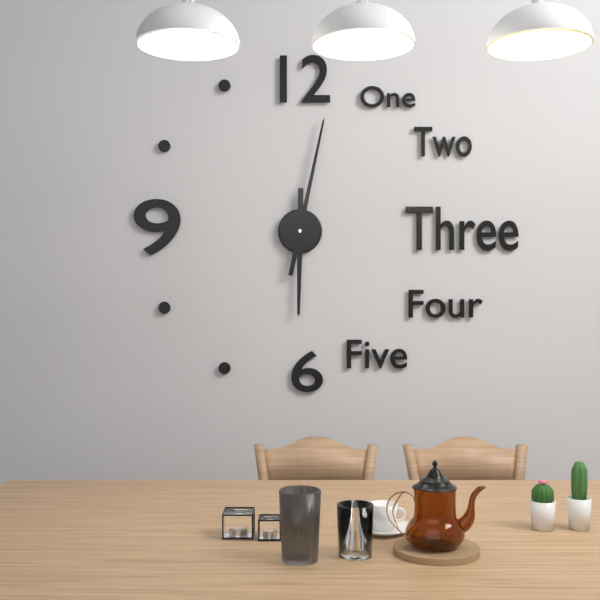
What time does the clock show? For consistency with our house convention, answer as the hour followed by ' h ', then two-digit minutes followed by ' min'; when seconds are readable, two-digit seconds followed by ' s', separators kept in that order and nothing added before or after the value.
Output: 6 h 02 min
